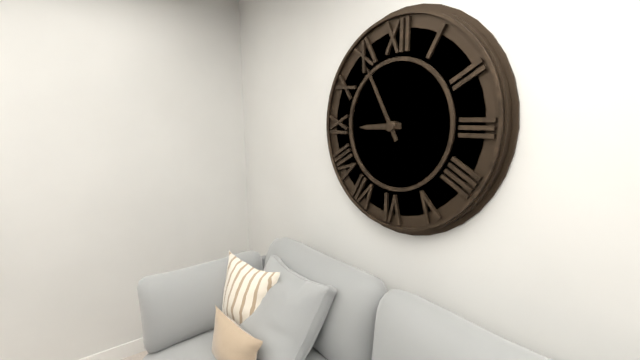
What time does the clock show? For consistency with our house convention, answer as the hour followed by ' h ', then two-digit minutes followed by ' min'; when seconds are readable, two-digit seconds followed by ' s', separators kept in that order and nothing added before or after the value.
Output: 8 h 55 min
